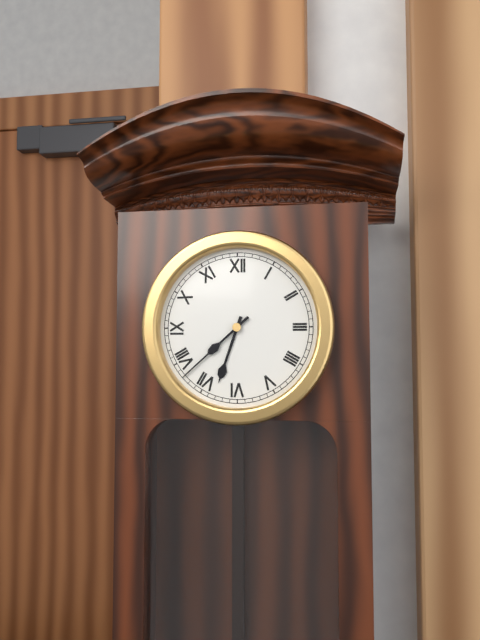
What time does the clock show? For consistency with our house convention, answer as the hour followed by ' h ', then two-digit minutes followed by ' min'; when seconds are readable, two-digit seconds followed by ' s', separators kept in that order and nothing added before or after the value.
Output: 6 h 38 min
